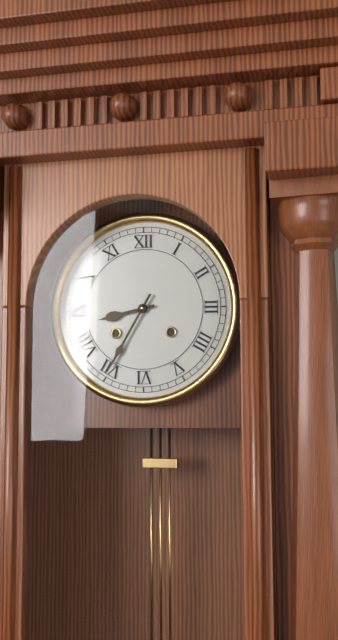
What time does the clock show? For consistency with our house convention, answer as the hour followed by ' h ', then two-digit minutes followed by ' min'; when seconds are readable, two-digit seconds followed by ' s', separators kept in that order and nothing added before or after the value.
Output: 8 h 35 min
